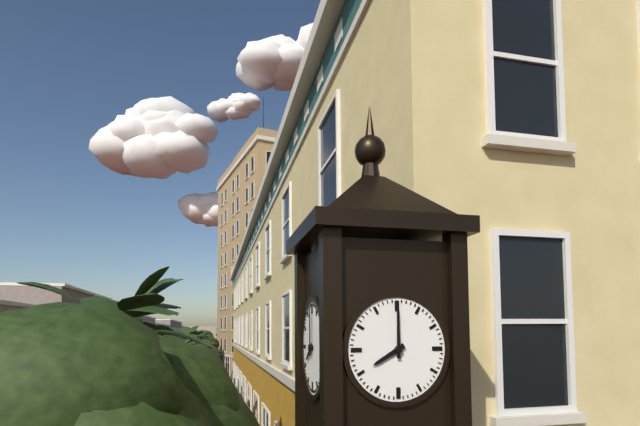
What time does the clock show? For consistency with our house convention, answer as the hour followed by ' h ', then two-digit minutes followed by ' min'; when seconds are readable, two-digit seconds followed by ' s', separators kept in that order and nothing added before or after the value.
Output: 8 h 00 min
